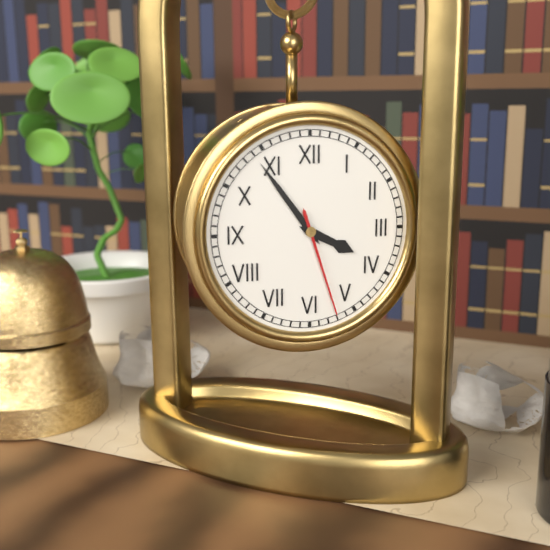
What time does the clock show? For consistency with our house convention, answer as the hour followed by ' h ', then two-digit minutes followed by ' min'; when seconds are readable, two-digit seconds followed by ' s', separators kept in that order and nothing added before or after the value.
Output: 3 h 54 min 27 s
